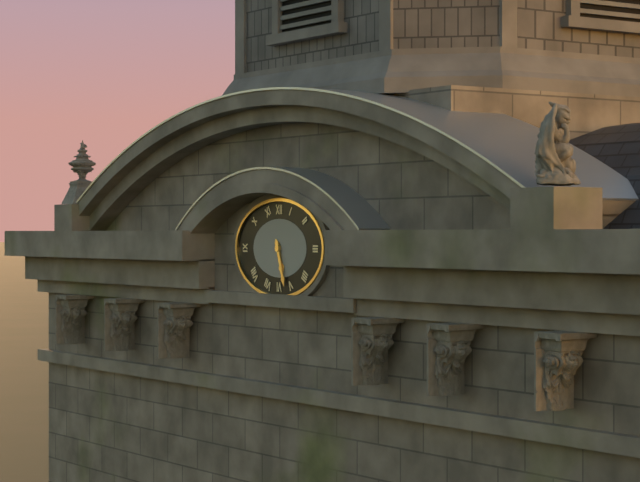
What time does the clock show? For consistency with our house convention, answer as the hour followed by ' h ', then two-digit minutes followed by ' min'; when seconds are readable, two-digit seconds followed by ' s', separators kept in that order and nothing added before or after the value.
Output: 5 h 27 min
